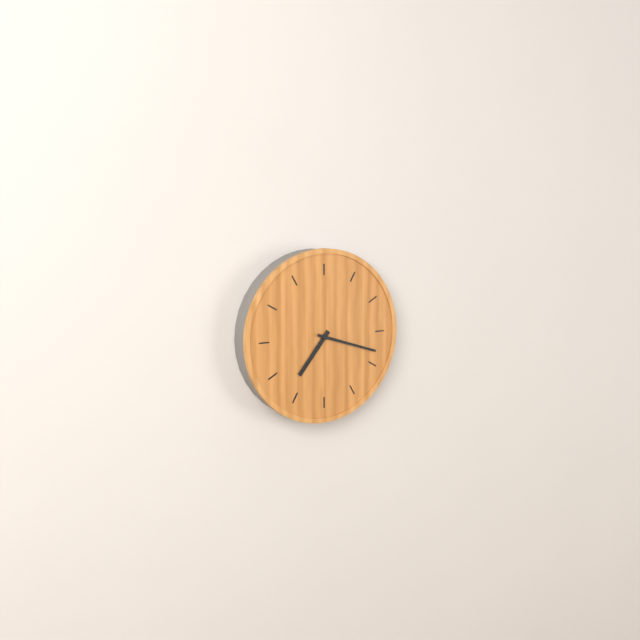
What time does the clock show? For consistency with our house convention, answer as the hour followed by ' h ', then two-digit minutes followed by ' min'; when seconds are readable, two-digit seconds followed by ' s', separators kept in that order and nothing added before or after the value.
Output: 7 h 18 min
